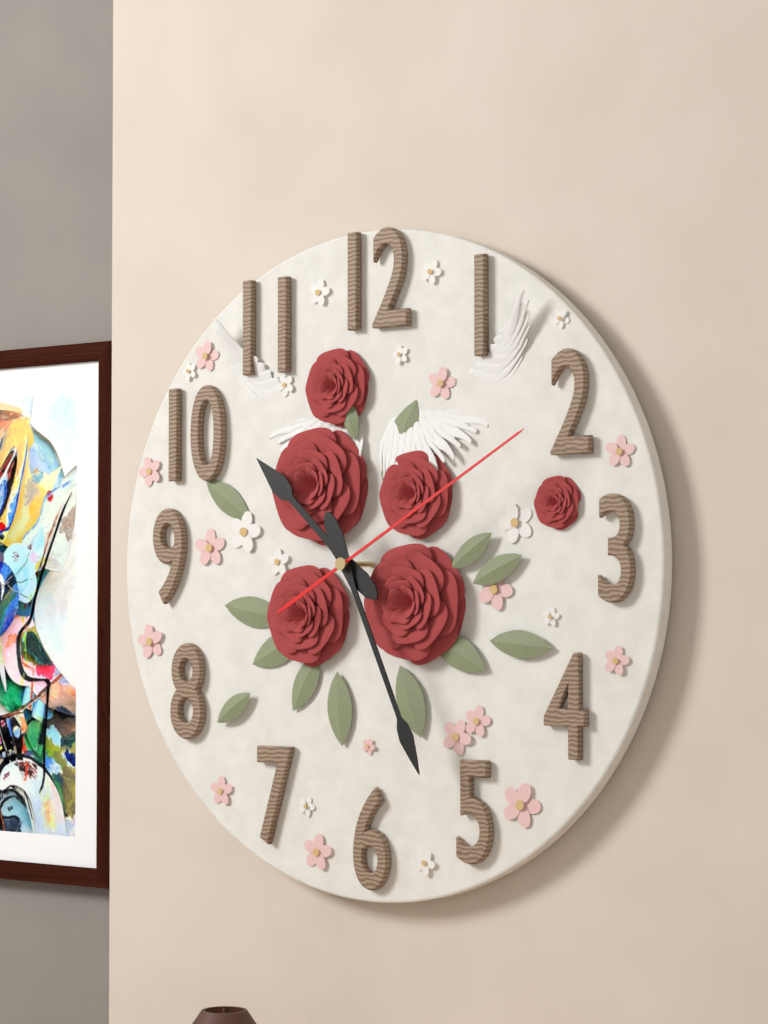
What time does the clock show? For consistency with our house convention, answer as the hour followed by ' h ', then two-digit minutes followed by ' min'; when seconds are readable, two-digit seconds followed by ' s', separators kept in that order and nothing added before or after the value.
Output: 10 h 26 min 10 s
